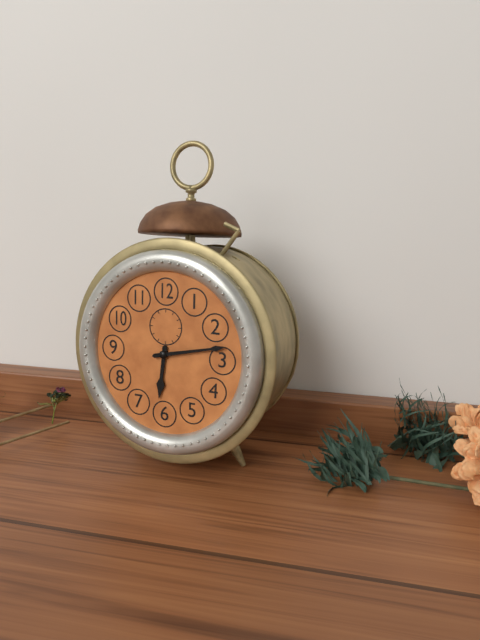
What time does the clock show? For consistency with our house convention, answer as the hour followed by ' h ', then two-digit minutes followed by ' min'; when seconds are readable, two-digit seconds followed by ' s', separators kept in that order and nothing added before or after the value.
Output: 6 h 13 min
